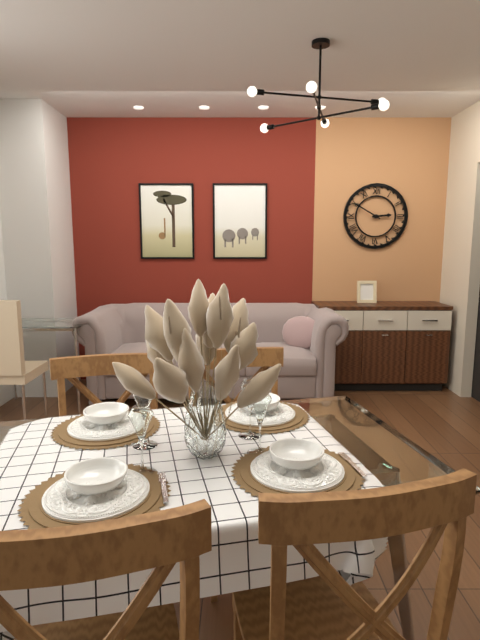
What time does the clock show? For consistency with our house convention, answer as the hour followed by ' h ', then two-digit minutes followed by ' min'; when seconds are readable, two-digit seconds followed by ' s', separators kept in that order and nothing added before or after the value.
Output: 2 h 50 min
